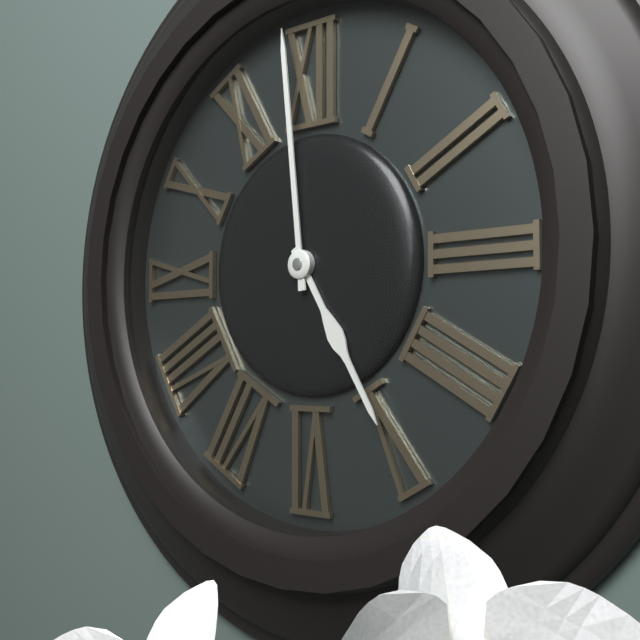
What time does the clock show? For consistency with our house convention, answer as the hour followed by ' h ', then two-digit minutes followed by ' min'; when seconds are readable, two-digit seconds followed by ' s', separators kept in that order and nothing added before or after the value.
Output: 4 h 59 min
